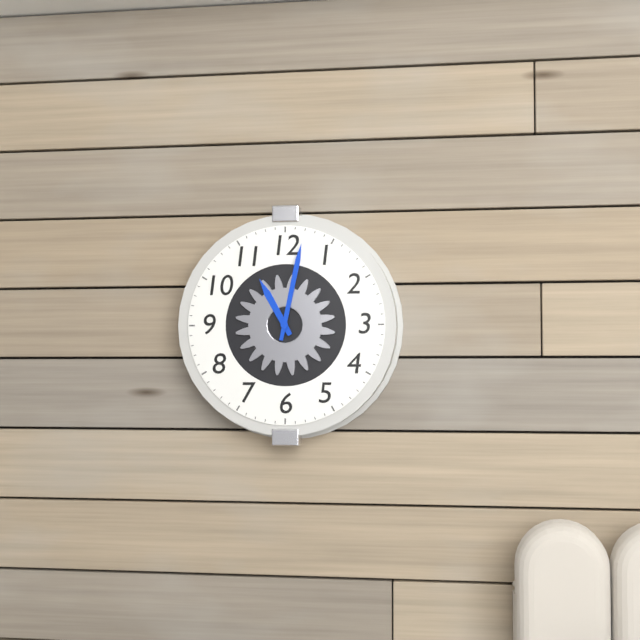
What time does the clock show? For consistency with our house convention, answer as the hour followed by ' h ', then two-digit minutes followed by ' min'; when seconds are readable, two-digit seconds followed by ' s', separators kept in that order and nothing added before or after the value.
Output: 11 h 02 min
